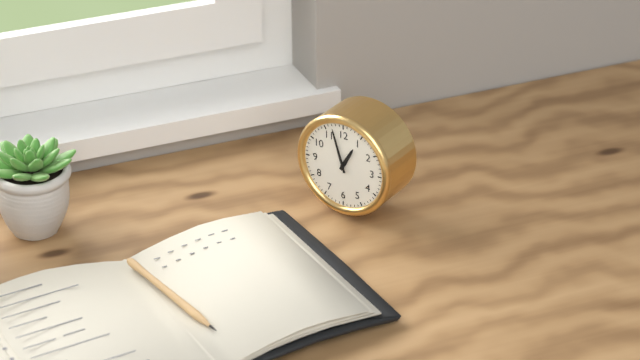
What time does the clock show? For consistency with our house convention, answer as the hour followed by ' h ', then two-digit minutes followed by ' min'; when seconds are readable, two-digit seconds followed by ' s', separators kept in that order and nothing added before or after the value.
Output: 12 h 57 min
